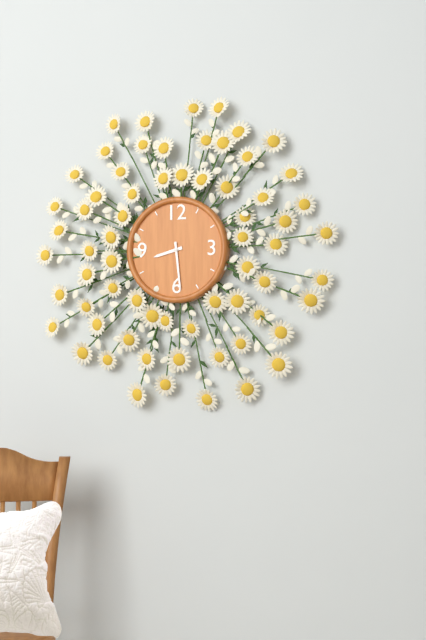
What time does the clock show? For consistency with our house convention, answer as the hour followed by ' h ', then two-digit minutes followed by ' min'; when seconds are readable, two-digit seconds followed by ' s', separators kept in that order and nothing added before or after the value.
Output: 8 h 29 min
